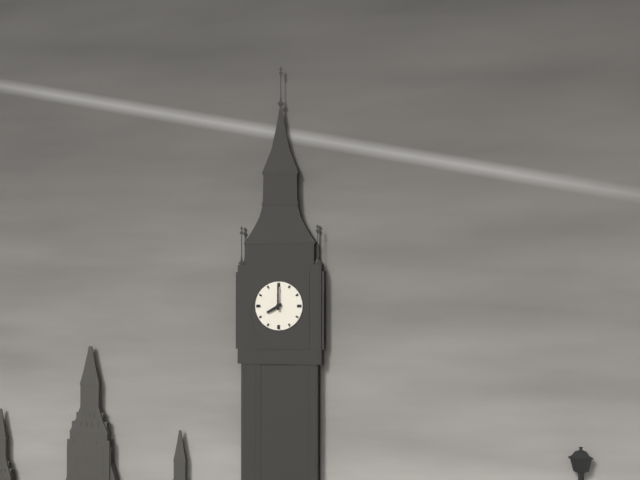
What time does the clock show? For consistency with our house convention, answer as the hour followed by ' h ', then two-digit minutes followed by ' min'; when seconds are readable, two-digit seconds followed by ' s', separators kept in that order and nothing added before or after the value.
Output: 8 h 00 min
